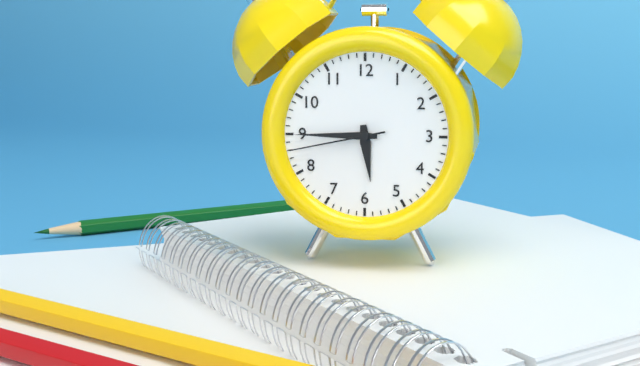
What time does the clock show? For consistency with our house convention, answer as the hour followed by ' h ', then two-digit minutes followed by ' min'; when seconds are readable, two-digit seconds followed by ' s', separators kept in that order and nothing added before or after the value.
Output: 5 h 45 min 43 s
